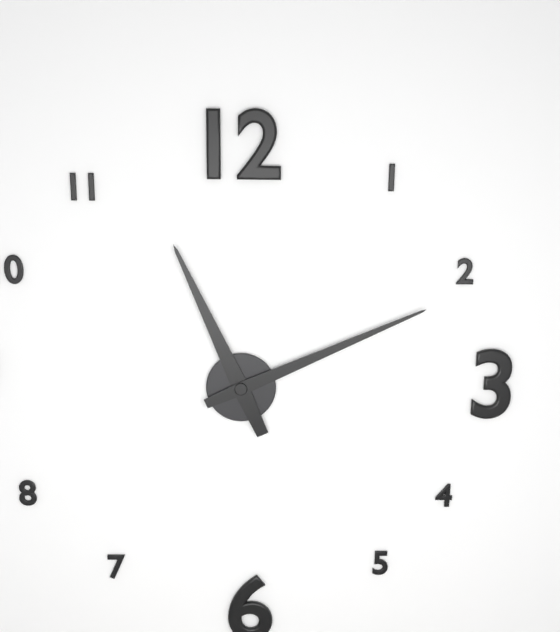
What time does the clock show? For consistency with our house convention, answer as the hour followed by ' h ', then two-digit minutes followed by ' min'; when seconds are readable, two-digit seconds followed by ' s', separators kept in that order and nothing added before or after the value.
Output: 11 h 11 min
